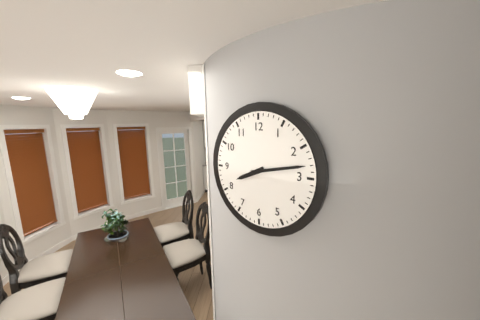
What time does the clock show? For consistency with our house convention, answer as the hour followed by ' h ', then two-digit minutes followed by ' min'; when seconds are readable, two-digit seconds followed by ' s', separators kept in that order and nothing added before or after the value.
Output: 8 h 13 min
